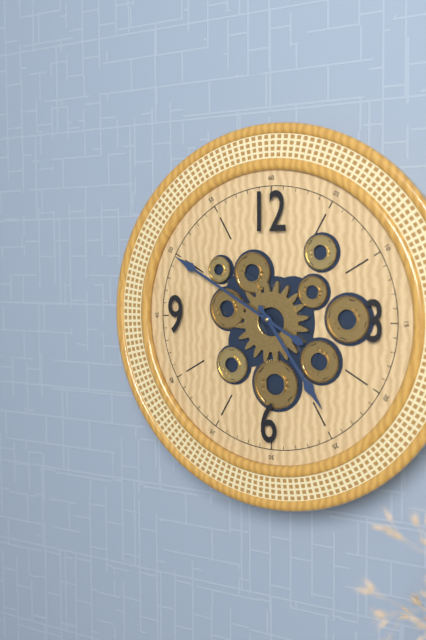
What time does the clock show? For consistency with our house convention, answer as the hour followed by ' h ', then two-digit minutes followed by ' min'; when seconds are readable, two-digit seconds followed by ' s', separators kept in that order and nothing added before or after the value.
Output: 4 h 50 min
